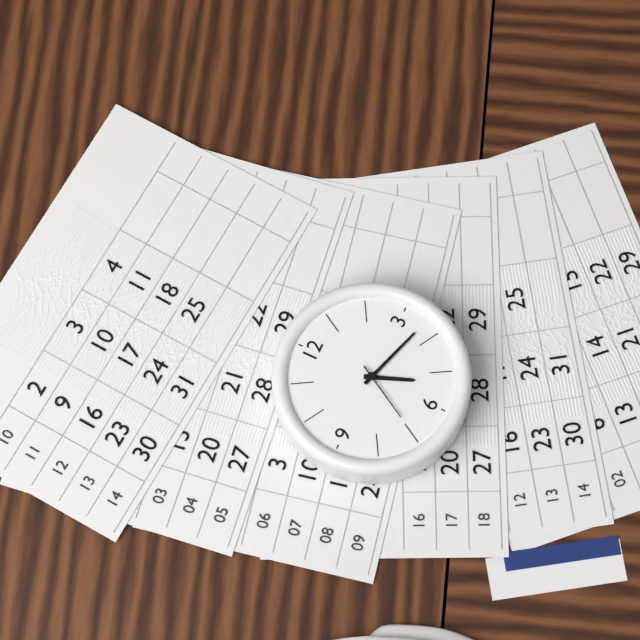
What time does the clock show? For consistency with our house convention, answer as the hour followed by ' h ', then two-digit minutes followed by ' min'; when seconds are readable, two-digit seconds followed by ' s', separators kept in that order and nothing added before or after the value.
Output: 5 h 18 min 35 s
